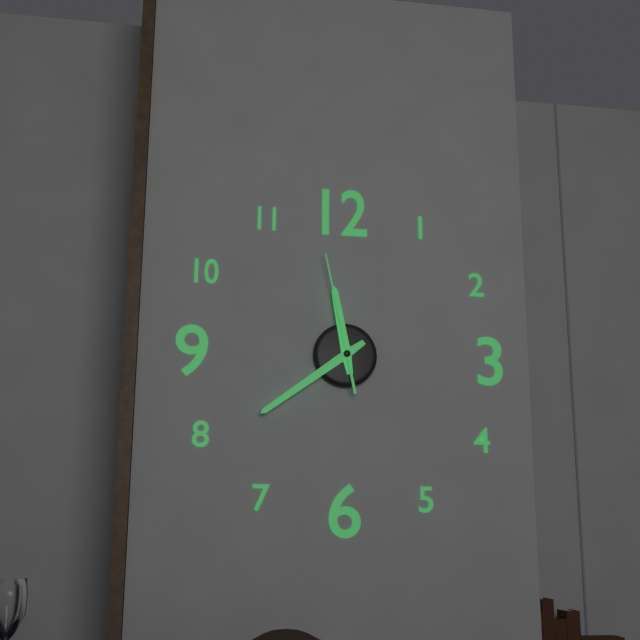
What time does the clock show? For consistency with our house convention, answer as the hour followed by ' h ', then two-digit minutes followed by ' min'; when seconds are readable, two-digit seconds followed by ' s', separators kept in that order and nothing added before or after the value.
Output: 11 h 39 min 58 s
